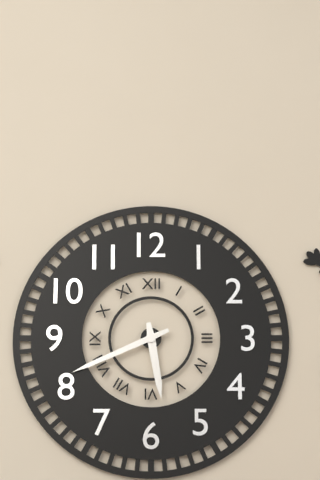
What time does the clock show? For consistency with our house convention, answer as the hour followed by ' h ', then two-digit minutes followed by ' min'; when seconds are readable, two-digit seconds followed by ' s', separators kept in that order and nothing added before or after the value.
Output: 5 h 41 min
